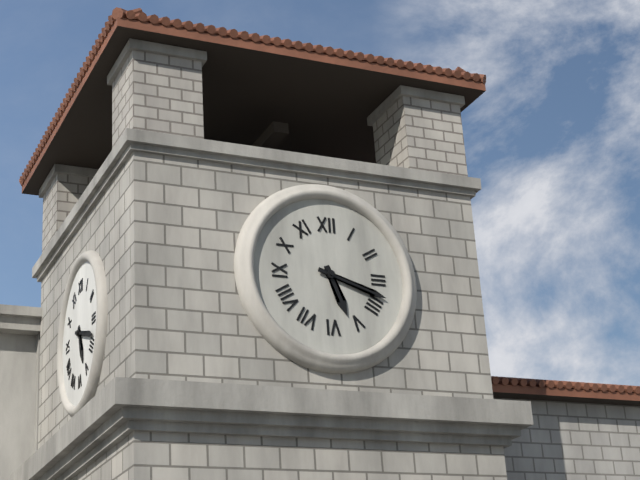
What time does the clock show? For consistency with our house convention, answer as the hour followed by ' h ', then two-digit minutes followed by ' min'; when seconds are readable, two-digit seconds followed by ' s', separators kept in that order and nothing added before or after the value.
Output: 5 h 18 min
